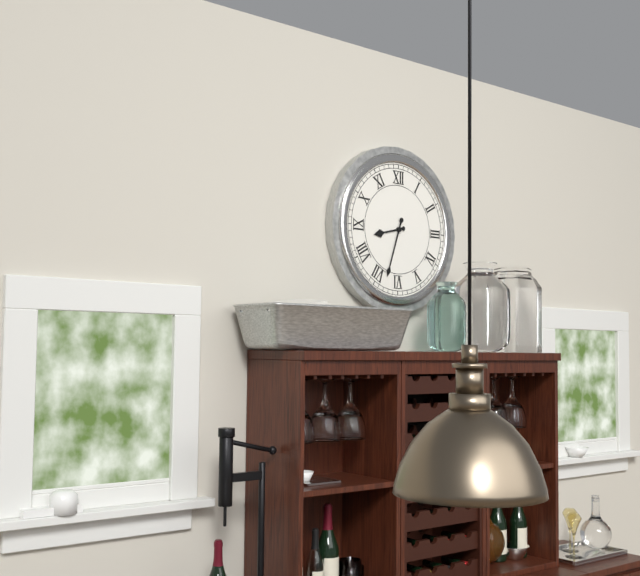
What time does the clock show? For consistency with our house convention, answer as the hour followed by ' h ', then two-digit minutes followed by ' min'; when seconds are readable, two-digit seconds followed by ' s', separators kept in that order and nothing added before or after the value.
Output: 8 h 33 min
